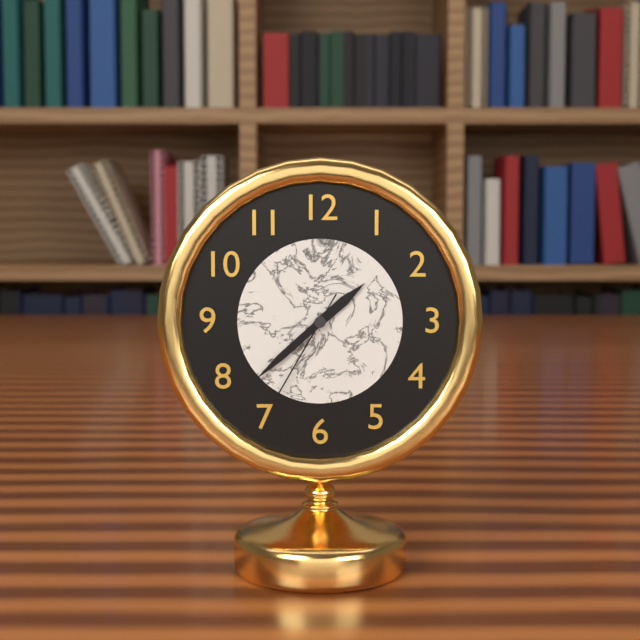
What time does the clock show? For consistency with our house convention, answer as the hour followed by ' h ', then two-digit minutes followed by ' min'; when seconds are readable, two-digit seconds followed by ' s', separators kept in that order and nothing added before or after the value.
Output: 1 h 38 min 35 s
